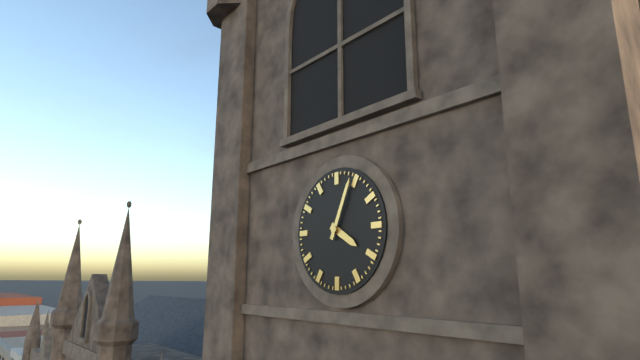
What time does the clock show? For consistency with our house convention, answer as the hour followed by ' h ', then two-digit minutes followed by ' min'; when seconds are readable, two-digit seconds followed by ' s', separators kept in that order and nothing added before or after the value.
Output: 4 h 04 min
